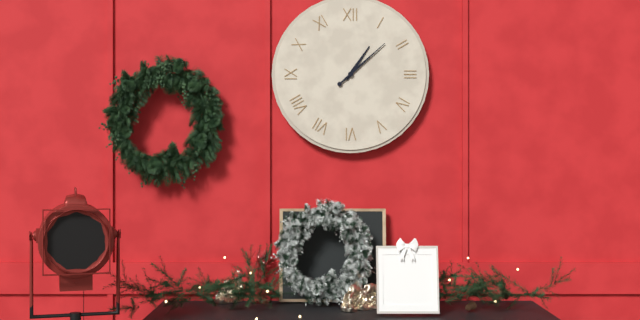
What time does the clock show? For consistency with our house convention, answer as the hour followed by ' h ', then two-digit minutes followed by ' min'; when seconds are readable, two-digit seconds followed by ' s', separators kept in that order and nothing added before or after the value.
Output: 1 h 08 min
